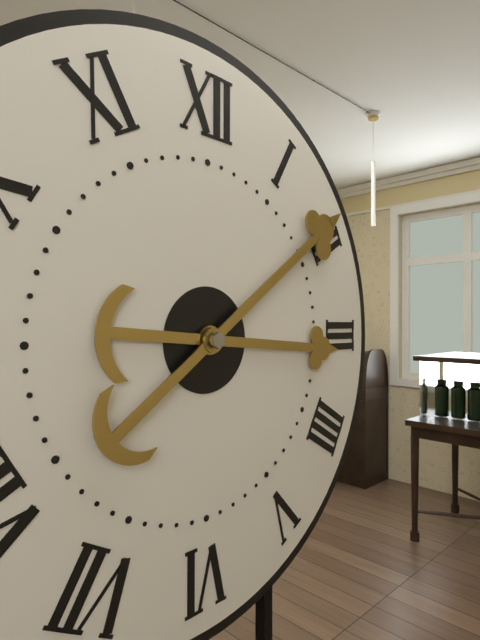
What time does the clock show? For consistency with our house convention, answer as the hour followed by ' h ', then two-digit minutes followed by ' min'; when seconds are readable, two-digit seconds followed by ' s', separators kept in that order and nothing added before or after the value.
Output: 3 h 09 min
